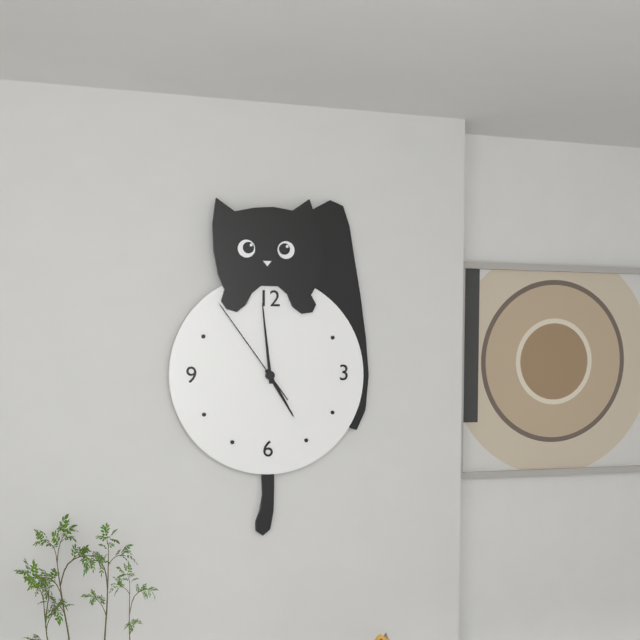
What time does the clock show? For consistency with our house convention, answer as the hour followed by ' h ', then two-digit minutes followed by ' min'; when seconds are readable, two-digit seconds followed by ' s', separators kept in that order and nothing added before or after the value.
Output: 4 h 59 min 54 s
